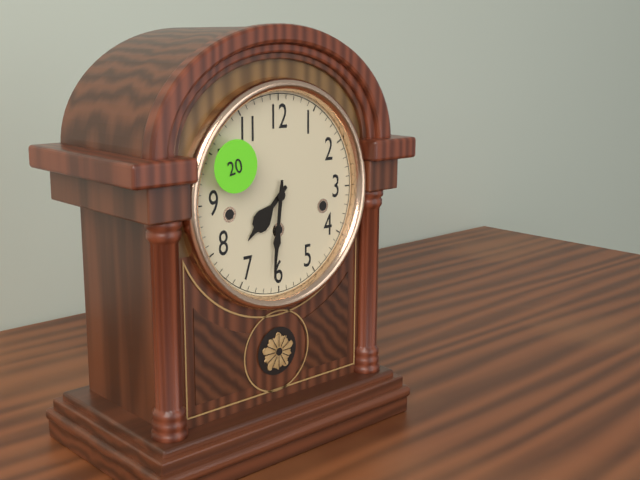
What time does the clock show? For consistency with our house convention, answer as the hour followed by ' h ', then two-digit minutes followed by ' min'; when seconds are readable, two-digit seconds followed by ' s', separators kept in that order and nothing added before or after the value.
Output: 7 h 31 min
